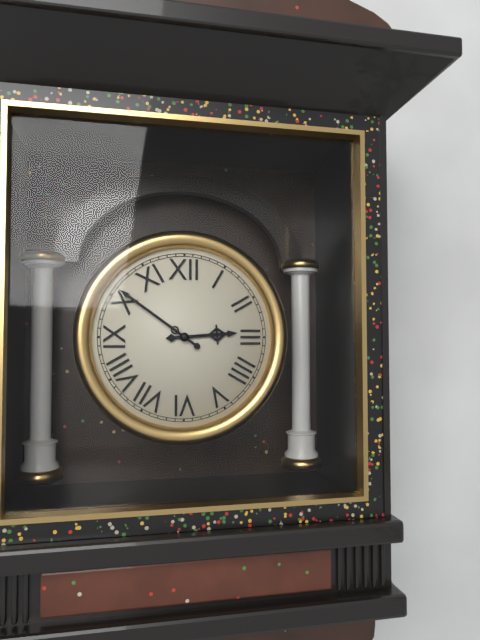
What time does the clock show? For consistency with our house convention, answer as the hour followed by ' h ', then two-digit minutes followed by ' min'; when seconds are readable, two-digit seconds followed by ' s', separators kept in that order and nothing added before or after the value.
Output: 2 h 51 min
